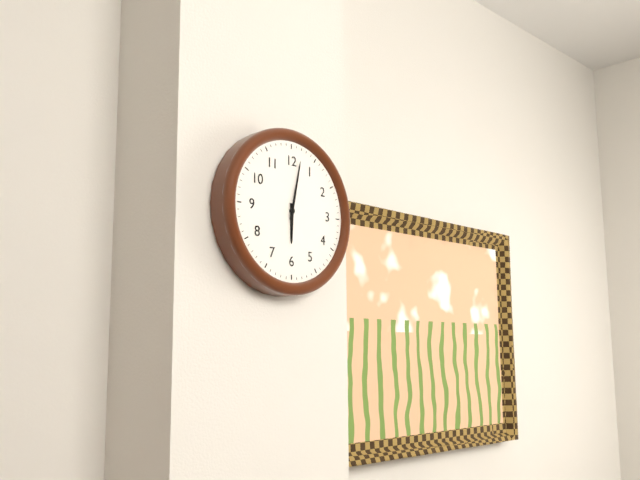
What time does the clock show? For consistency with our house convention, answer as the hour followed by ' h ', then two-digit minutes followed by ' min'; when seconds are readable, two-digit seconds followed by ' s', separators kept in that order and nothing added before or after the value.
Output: 6 h 02 min
